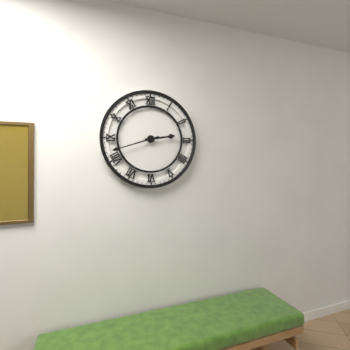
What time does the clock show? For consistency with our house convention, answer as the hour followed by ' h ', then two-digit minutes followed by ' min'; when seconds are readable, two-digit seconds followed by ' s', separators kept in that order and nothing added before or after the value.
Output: 2 h 42 min
